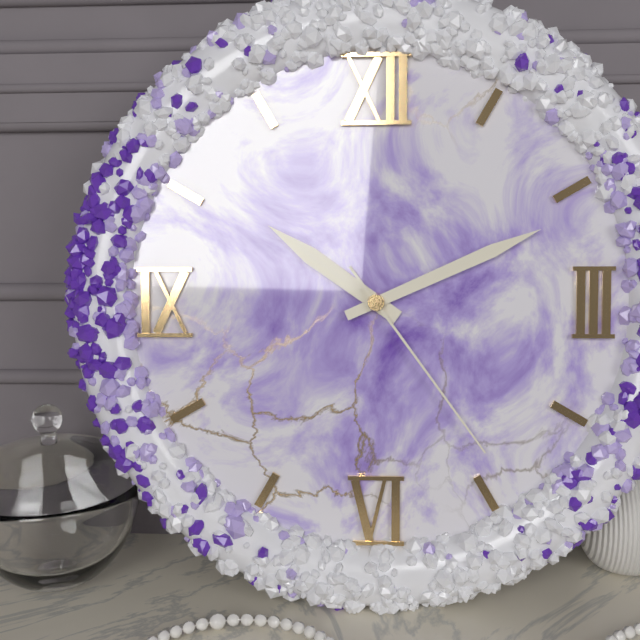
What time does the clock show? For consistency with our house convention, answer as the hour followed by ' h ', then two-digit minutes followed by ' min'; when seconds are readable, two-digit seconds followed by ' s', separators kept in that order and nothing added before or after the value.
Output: 10 h 11 min 24 s
